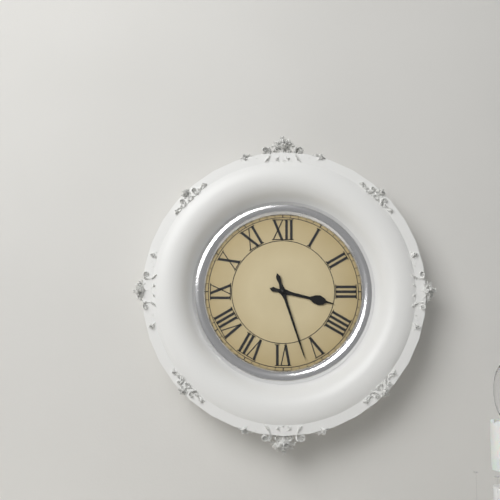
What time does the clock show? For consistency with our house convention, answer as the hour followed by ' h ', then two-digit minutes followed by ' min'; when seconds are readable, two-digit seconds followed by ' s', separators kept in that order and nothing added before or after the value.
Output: 3 h 27 min
